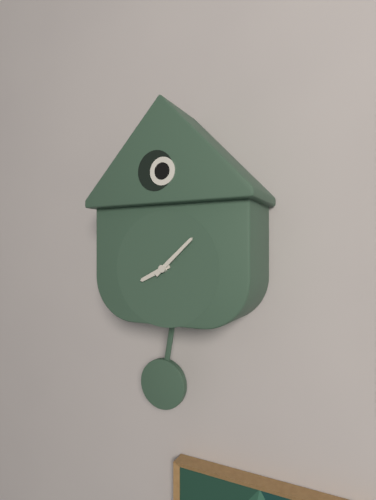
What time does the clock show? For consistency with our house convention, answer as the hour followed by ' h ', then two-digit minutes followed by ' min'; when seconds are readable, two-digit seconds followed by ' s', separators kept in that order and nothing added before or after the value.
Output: 8 h 08 min
